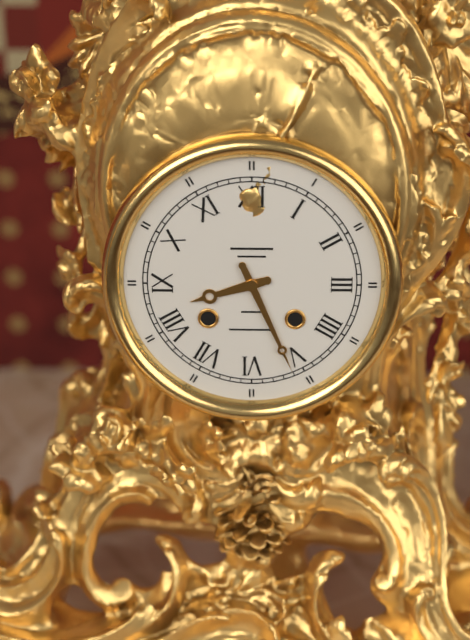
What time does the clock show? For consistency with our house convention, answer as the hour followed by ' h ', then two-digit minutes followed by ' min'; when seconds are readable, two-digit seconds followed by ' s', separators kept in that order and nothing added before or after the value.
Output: 8 h 26 min
